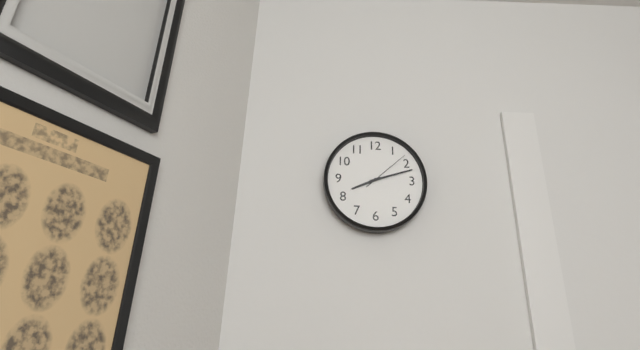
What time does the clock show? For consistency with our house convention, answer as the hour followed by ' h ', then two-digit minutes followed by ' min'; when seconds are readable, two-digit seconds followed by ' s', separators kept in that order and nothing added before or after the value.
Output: 8 h 12 min
